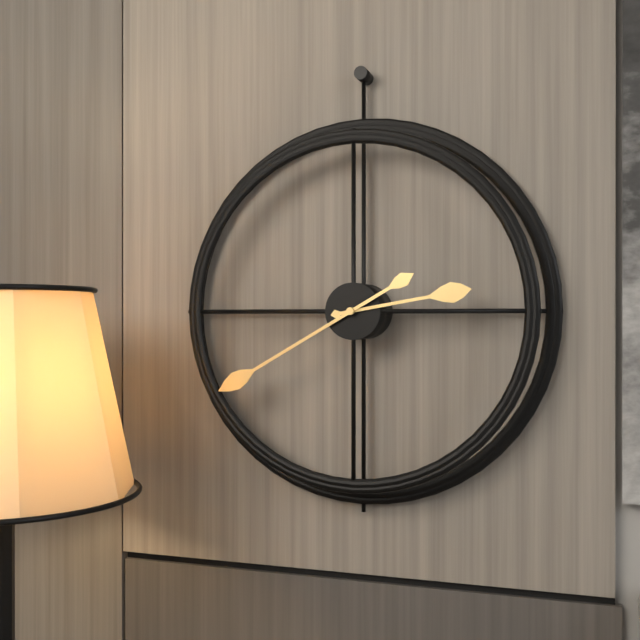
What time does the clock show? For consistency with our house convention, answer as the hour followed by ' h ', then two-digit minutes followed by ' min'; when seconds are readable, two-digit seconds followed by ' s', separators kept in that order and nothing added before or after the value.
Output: 2 h 40 min
